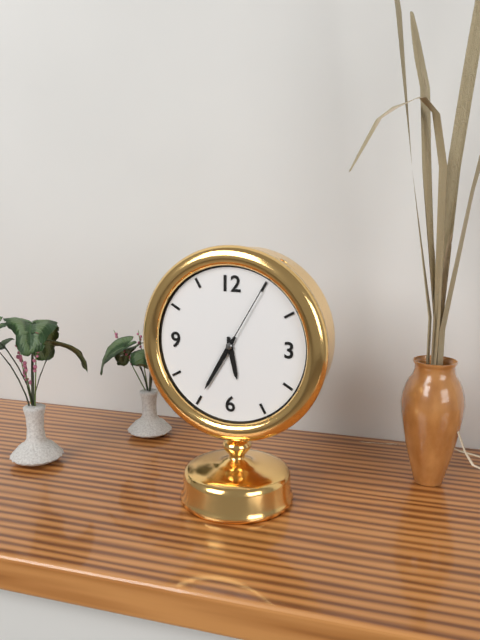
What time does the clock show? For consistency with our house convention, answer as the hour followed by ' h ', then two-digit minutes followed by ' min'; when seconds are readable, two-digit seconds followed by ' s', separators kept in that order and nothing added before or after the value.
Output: 5 h 35 min 05 s
